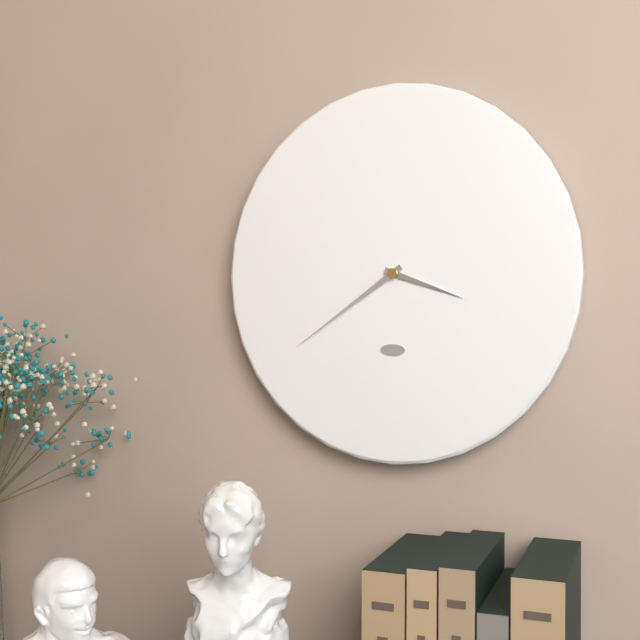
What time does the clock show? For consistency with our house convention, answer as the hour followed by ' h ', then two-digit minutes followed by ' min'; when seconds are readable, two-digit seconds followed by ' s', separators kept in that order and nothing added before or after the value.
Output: 3 h 39 min
